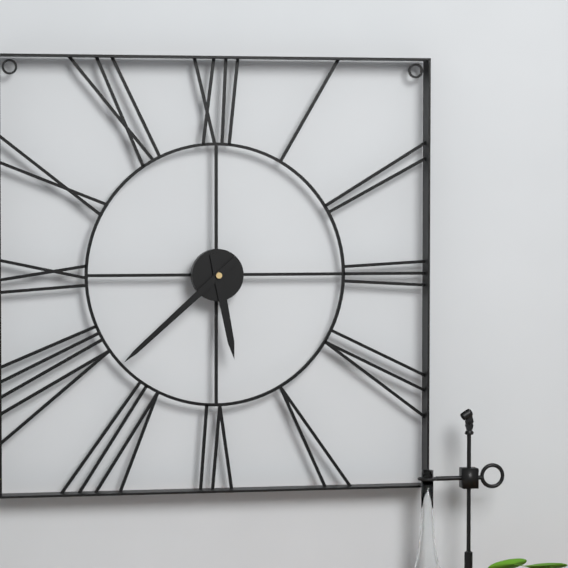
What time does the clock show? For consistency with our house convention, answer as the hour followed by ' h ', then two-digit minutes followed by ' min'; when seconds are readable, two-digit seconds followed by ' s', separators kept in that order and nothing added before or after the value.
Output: 5 h 38 min
